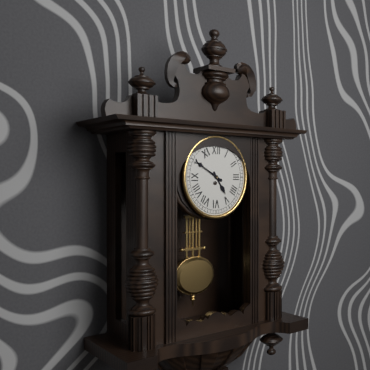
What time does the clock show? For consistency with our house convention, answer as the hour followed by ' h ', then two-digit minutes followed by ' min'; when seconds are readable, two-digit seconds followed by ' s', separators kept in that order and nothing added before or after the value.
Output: 4 h 50 min
